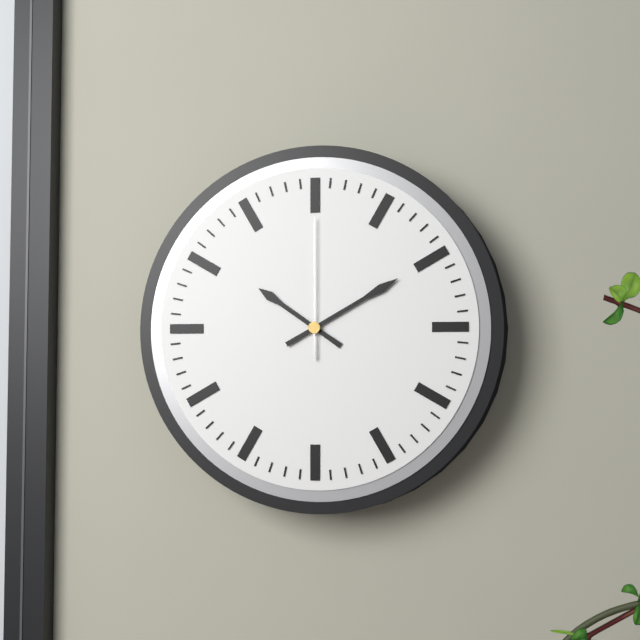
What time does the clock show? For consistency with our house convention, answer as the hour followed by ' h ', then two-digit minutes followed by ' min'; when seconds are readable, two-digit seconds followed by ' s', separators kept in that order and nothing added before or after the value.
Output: 10 h 10 min 00 s
